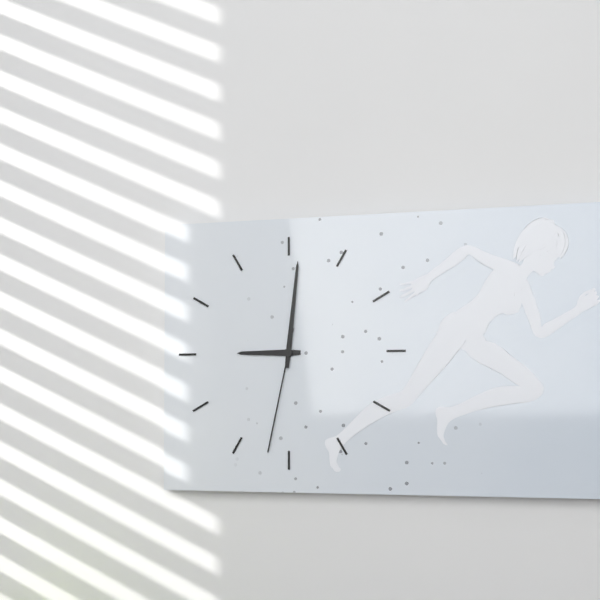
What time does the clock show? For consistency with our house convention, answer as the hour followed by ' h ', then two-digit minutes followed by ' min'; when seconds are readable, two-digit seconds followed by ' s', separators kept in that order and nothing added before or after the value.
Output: 9 h 01 min 32 s
